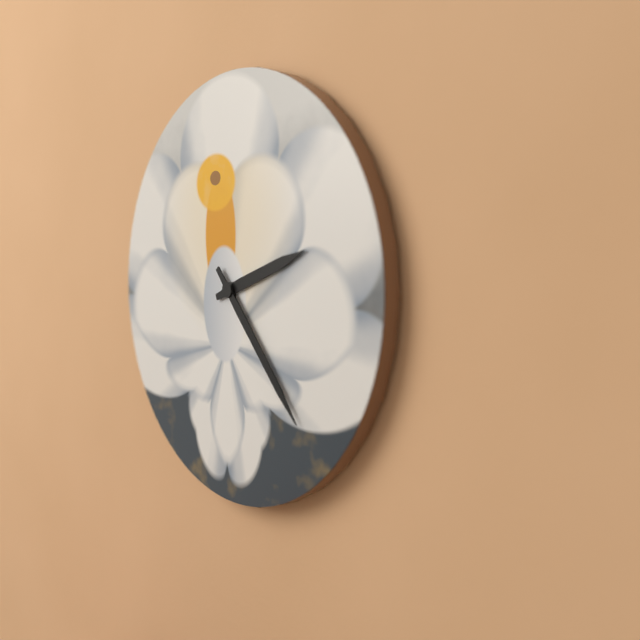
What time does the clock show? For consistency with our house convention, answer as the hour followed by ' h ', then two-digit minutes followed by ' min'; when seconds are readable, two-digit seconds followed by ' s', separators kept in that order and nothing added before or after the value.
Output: 2 h 23 min
